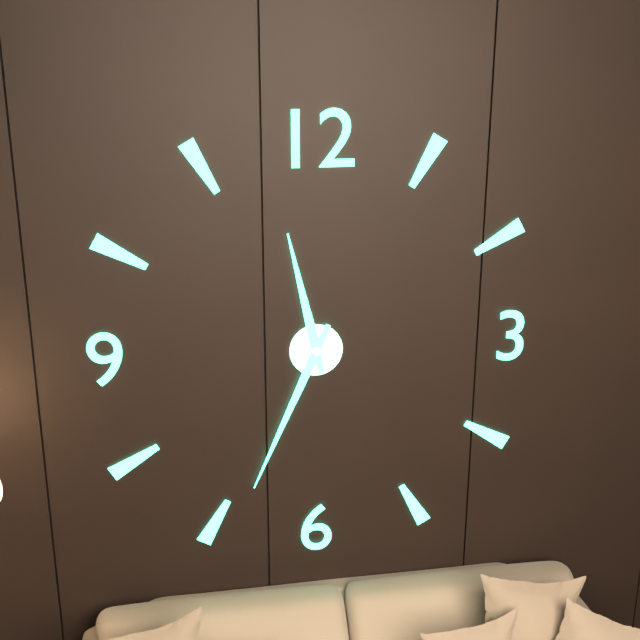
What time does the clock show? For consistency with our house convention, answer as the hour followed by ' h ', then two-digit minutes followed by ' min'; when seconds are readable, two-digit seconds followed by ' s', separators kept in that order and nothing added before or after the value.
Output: 11 h 34 min
